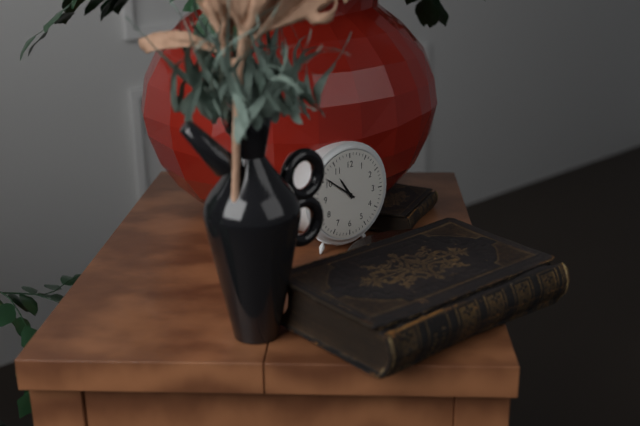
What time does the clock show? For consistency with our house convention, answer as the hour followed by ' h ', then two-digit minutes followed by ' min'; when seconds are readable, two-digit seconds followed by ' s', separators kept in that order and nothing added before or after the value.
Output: 10 h 51 min
